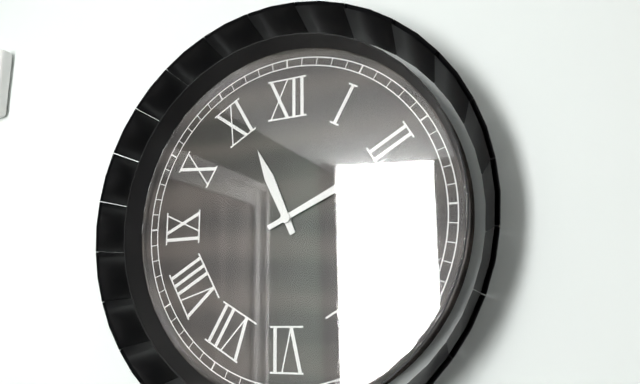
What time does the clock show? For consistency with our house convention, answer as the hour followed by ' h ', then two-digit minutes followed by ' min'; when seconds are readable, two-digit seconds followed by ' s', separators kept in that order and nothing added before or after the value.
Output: 11 h 11 min
